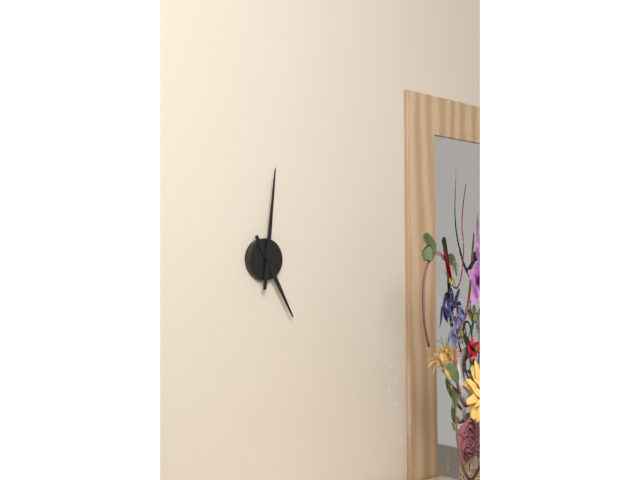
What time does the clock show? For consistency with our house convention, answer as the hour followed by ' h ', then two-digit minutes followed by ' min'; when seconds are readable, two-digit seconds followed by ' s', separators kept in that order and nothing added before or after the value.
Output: 5 h 01 min
